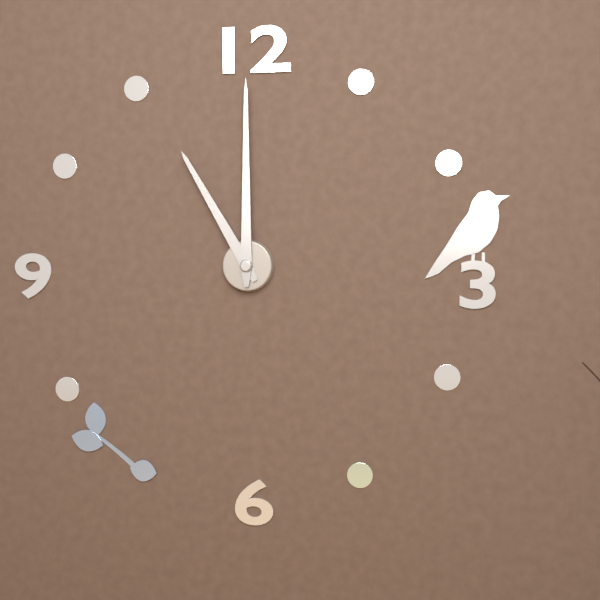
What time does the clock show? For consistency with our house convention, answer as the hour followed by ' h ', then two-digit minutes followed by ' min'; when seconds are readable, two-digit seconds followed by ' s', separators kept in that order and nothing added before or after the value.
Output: 11 h 00 min
